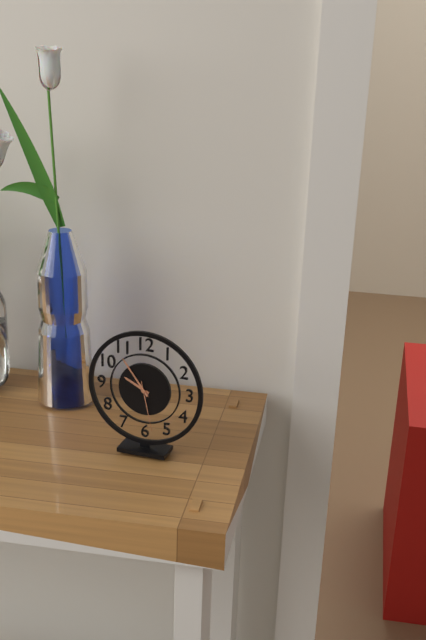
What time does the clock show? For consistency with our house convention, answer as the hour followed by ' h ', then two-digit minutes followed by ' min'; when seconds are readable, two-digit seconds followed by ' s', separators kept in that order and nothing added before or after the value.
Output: 9 h 54 min 28 s
